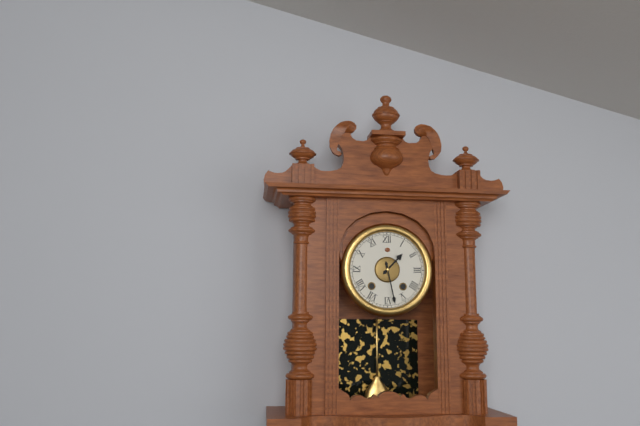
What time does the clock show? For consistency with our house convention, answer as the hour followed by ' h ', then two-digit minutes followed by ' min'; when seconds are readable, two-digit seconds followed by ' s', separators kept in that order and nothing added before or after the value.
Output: 1 h 28 min
